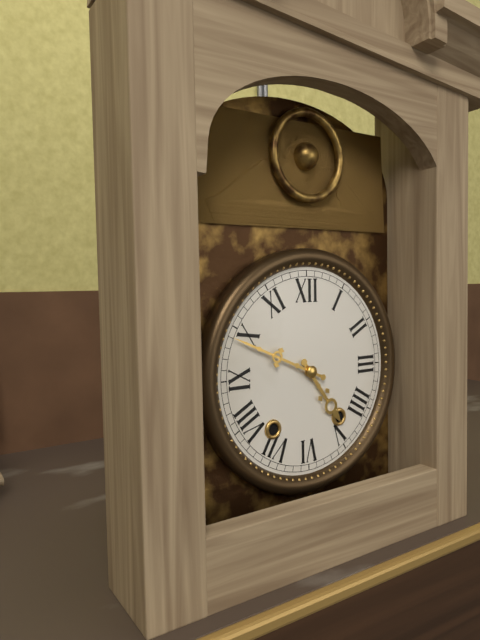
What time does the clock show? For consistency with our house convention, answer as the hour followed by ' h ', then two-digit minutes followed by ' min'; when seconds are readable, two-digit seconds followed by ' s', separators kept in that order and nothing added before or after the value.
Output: 4 h 49 min
